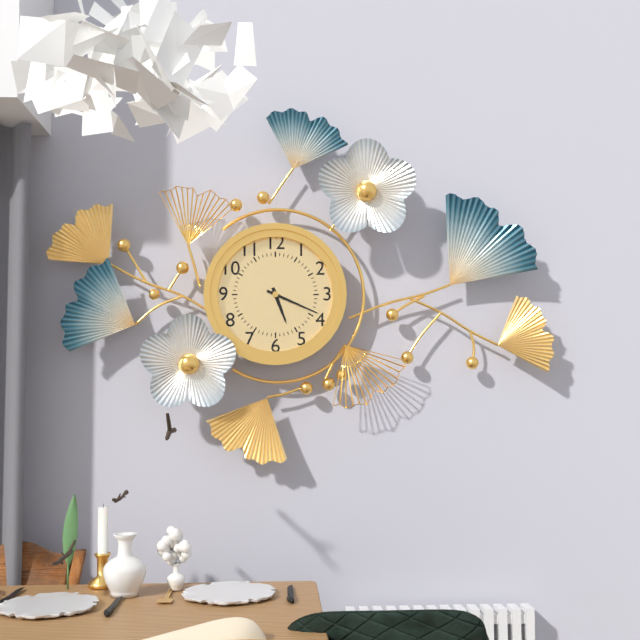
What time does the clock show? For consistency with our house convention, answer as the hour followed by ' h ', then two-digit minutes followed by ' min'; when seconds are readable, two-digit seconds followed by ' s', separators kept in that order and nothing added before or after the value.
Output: 5 h 19 min
